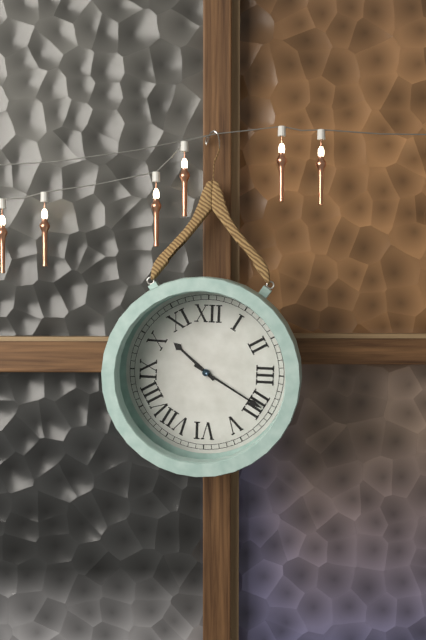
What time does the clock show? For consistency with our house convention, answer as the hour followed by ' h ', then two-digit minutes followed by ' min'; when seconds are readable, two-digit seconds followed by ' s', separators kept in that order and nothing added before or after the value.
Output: 10 h 20 min
